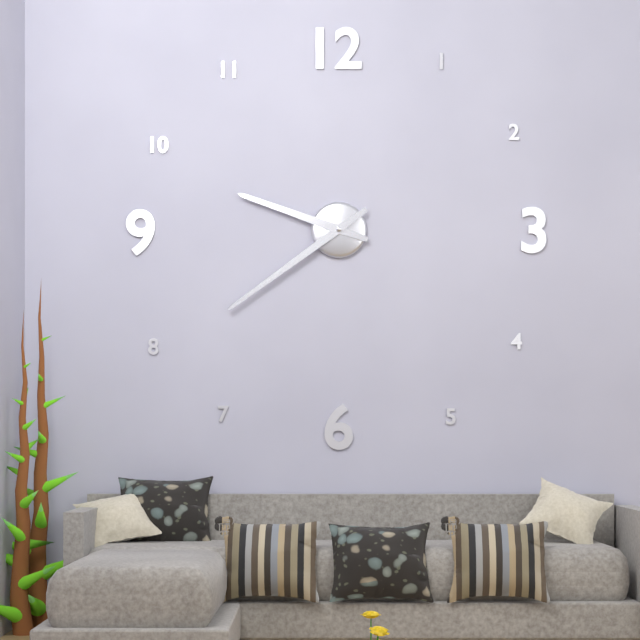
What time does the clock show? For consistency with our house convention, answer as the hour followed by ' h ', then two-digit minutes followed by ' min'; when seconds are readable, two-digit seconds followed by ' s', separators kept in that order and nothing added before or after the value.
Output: 9 h 39 min
